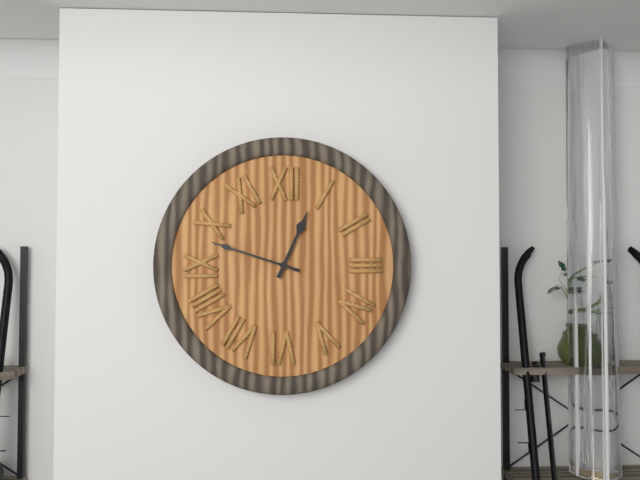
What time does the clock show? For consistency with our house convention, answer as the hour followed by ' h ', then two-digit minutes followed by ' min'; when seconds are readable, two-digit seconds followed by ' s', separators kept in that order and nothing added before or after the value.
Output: 12 h 48 min
